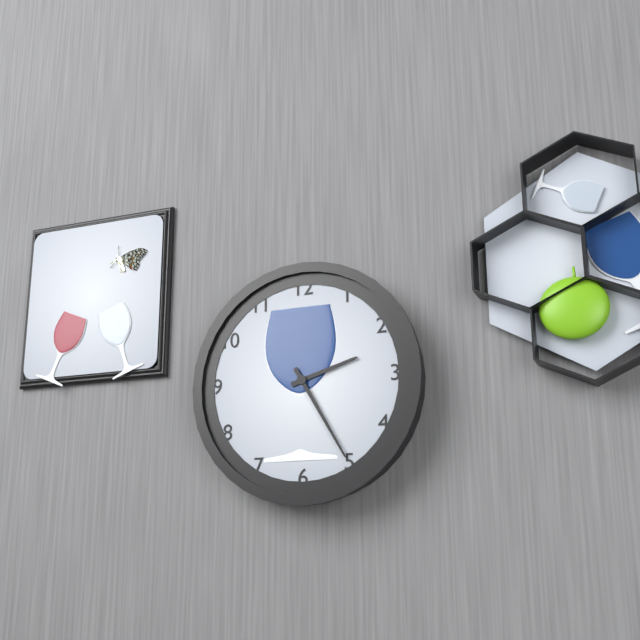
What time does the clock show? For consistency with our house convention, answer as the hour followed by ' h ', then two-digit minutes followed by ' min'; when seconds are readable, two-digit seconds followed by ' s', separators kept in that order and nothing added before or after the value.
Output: 2 h 25 min
